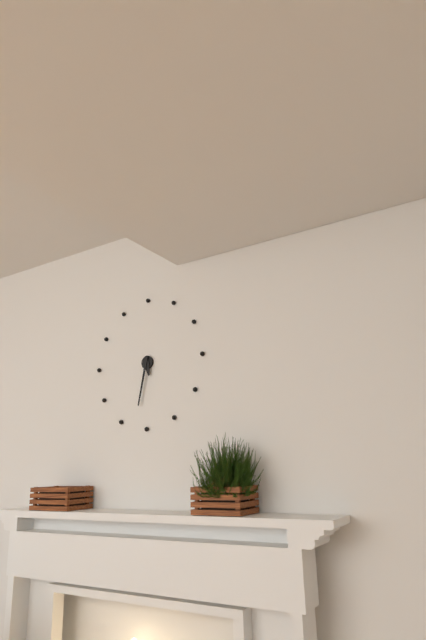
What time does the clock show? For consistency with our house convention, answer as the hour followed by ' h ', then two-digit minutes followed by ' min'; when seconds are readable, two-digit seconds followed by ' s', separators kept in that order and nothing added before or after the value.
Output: 5 h 32 min
